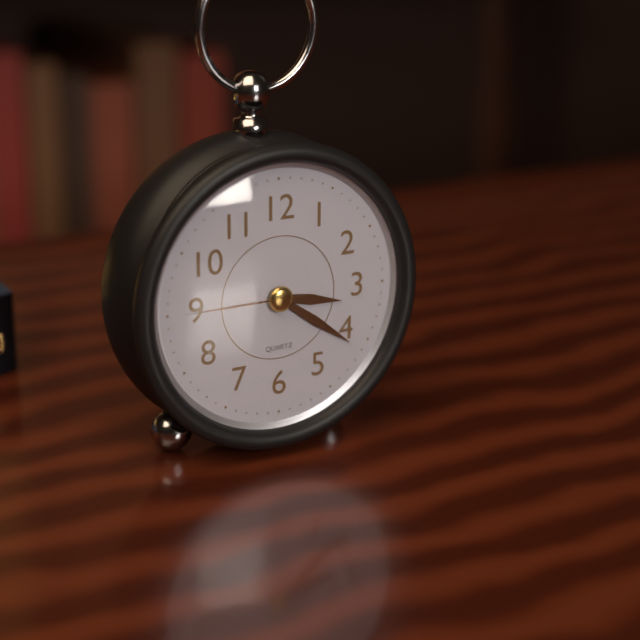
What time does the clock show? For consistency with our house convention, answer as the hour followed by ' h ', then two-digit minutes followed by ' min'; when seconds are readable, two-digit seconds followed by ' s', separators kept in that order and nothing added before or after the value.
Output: 3 h 21 min 45 s
